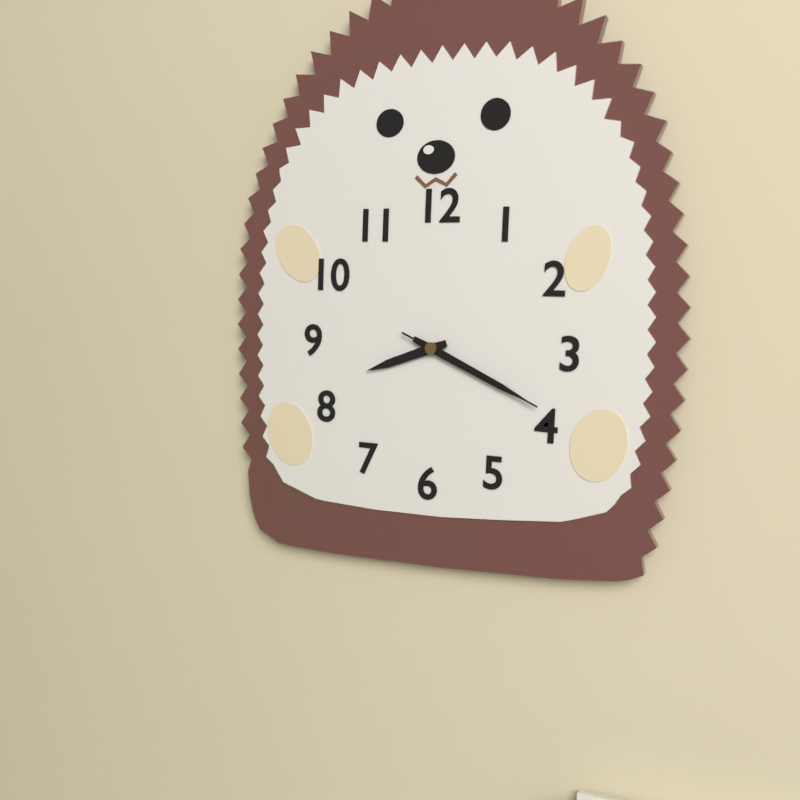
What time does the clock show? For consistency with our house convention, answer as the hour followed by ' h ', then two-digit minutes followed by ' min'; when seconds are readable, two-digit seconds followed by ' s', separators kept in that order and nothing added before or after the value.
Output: 8 h 19 min 19 s
